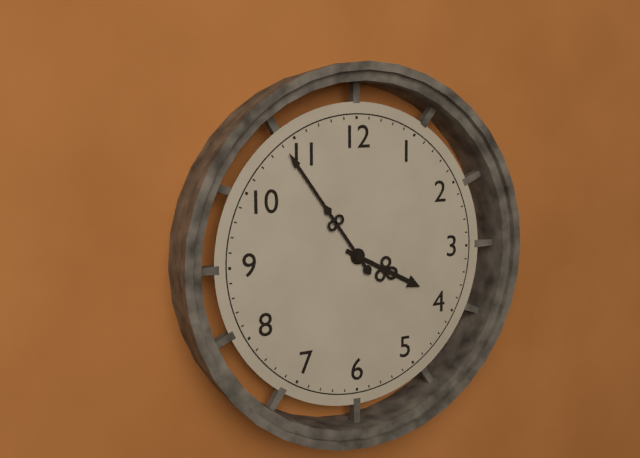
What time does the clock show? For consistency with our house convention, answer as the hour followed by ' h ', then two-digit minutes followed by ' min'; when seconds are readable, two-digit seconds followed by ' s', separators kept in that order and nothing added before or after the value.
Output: 3 h 54 min
